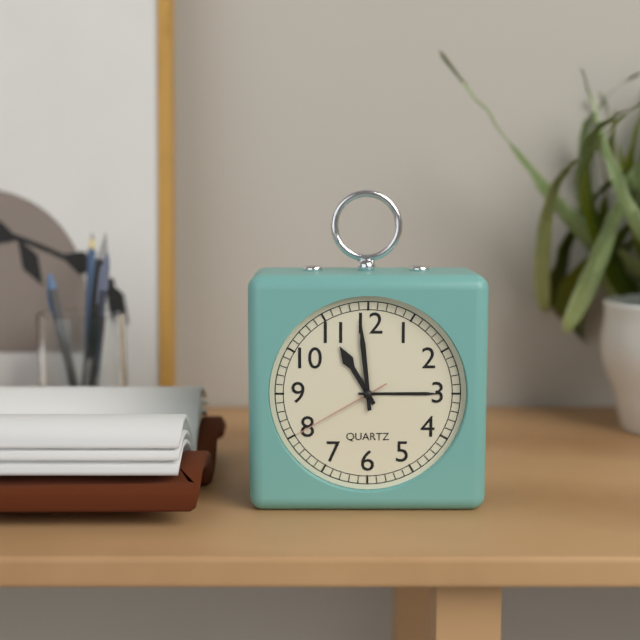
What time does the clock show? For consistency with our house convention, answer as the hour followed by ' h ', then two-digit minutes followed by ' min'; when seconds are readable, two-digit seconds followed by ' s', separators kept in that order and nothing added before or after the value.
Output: 10 h 59 min 40 s
